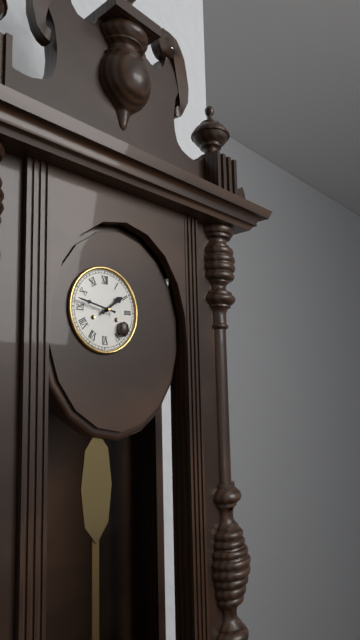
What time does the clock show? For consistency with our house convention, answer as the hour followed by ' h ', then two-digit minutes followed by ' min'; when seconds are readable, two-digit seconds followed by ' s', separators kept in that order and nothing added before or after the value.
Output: 1 h 47 min
